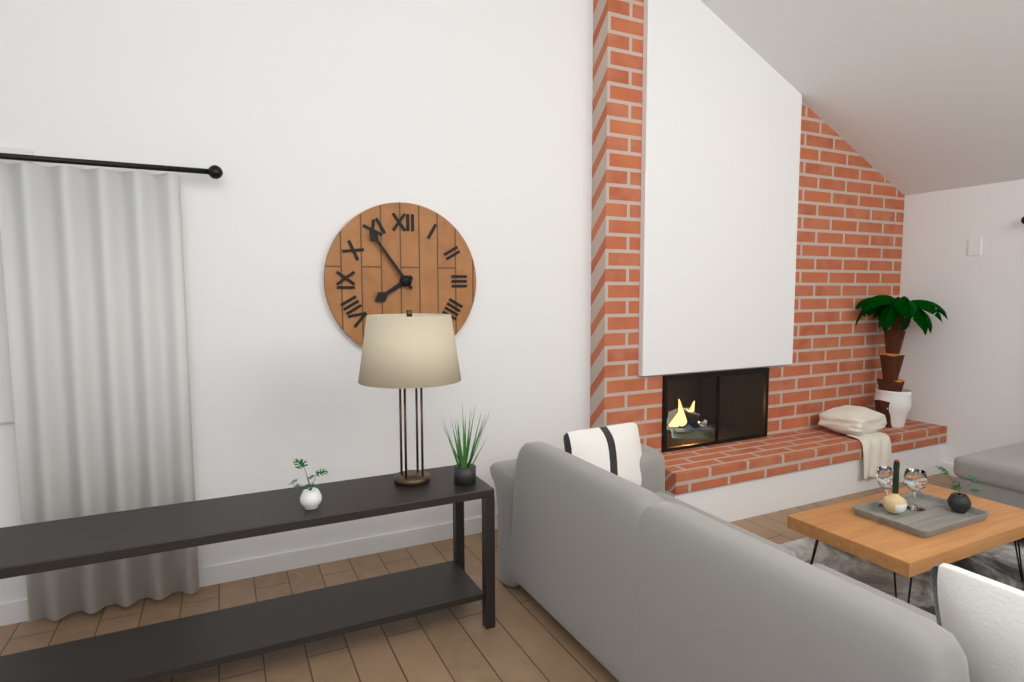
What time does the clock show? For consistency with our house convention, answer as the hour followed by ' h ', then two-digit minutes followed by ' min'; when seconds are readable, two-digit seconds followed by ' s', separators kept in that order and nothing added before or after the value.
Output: 7 h 54 min
